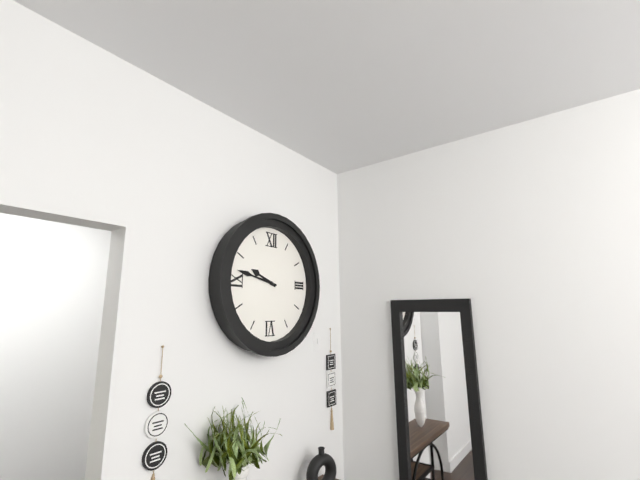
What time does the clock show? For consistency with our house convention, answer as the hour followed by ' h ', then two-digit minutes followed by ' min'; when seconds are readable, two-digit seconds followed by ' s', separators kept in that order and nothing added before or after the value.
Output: 9 h 47 min
